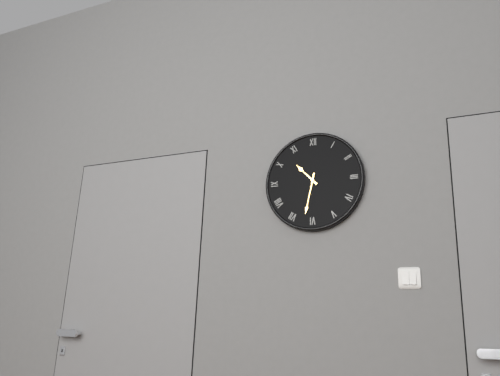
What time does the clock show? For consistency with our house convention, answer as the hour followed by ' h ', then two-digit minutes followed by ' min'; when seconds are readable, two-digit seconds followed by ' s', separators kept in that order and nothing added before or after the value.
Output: 10 h 32 min
